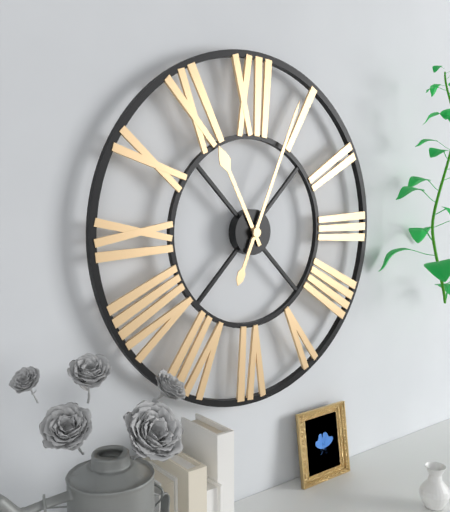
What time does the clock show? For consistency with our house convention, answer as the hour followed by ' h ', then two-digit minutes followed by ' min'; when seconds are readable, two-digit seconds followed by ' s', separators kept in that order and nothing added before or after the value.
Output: 11 h 04 min
